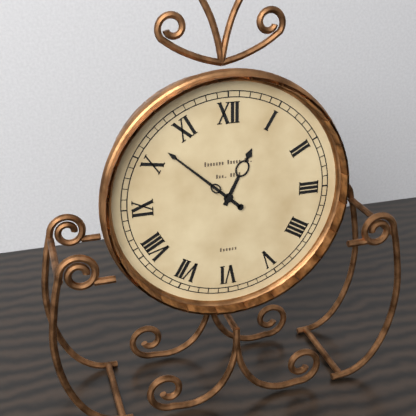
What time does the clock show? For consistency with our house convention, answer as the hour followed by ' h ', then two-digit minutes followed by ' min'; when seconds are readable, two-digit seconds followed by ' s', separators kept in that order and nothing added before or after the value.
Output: 12 h 52 min
